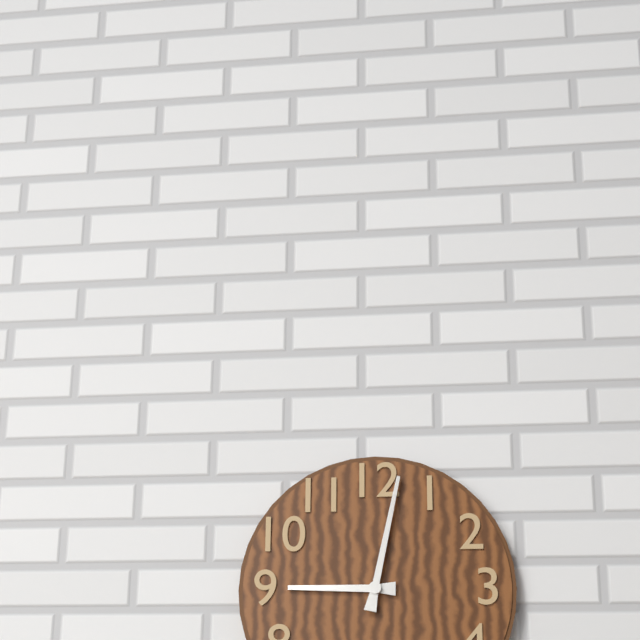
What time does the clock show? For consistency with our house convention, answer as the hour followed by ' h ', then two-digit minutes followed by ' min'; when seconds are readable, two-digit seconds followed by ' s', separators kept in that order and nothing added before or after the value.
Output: 9 h 02 min
